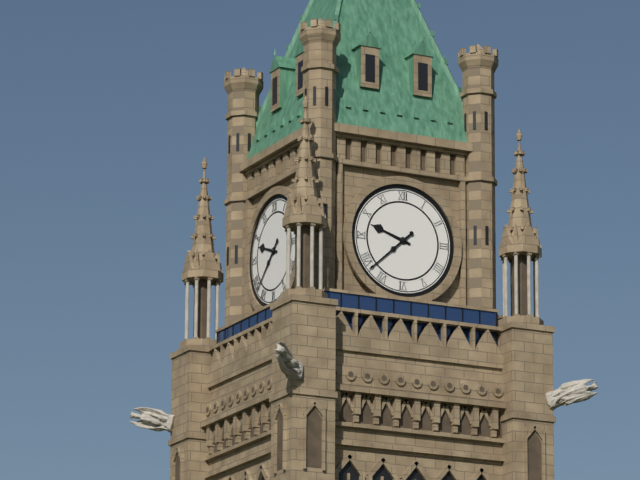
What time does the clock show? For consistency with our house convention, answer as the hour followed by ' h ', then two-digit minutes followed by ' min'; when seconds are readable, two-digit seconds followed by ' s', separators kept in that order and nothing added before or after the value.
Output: 9 h 38 min
